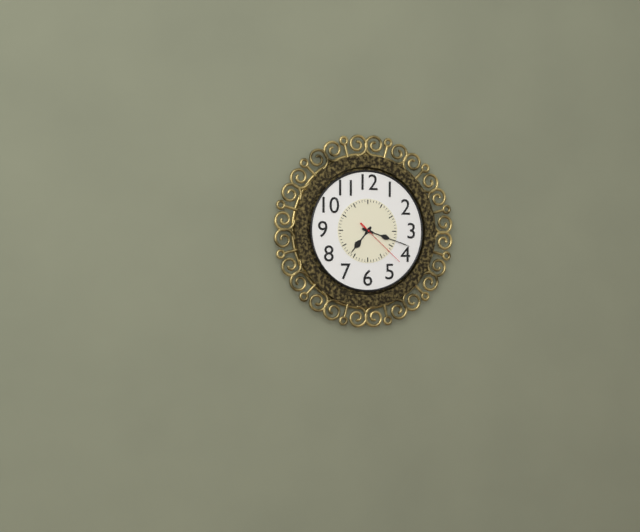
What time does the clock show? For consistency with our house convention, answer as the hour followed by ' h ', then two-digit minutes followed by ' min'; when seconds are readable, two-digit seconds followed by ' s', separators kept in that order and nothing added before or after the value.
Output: 7 h 18 min 22 s
